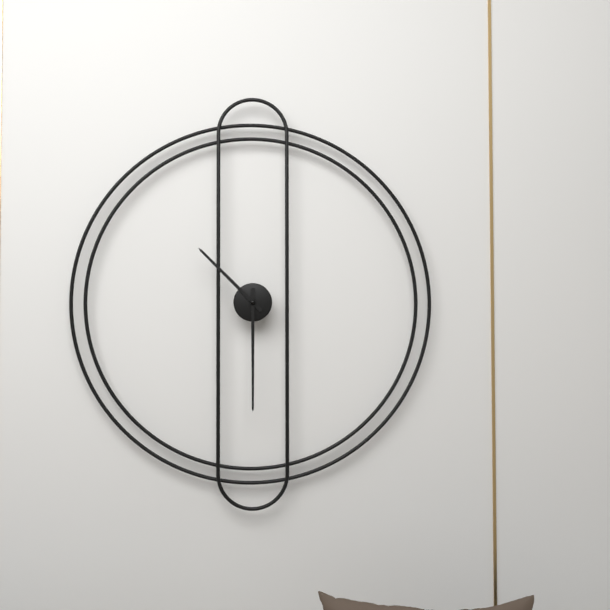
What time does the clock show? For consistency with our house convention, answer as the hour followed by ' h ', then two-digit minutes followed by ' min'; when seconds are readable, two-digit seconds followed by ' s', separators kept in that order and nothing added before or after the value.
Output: 10 h 30 min
